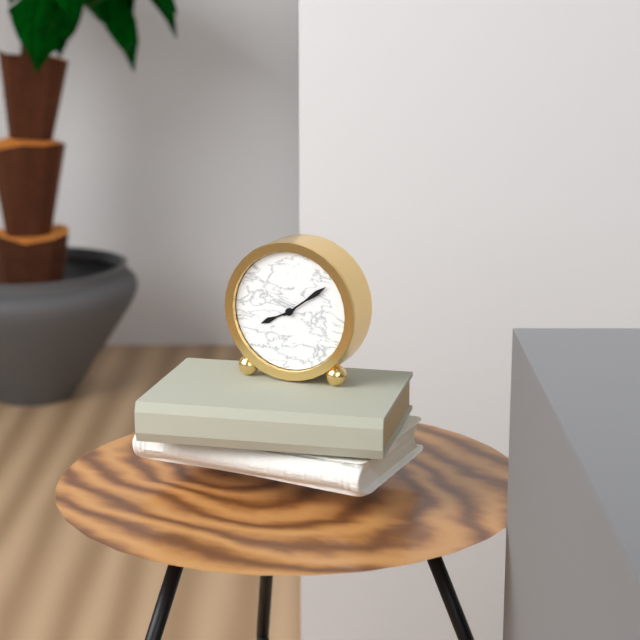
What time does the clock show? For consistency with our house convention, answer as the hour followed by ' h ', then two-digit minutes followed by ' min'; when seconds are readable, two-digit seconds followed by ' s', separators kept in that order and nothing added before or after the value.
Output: 8 h 09 min
